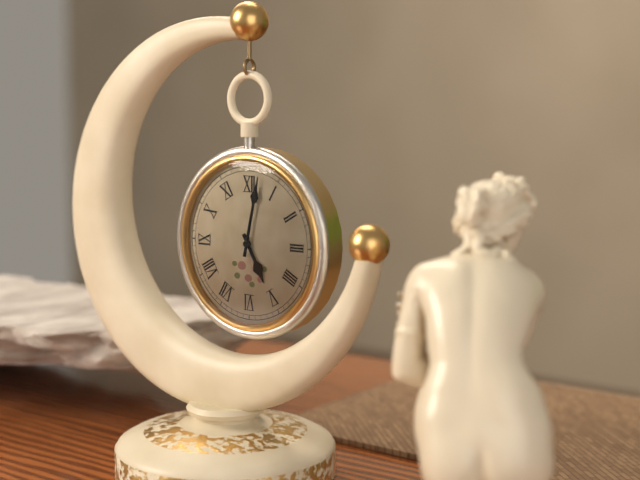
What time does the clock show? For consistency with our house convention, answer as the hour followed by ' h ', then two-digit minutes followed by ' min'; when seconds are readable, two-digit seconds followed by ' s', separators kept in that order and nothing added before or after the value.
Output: 5 h 02 min
